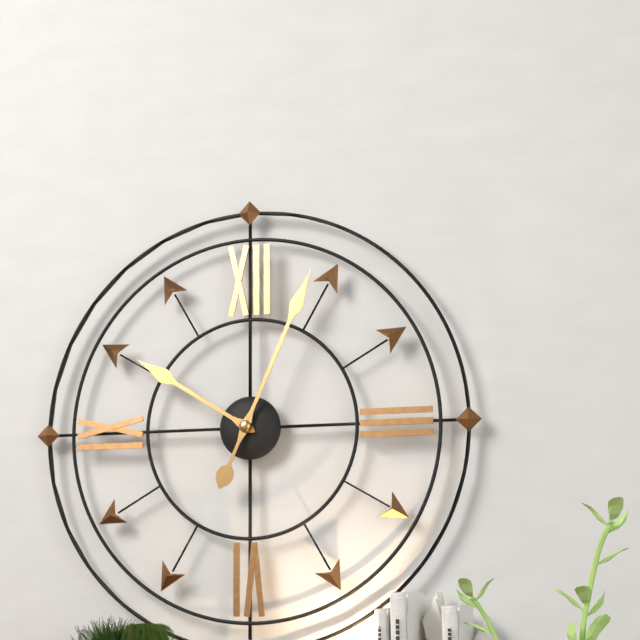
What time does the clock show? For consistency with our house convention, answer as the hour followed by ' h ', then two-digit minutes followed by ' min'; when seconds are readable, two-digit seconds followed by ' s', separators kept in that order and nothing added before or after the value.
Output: 10 h 04 min
